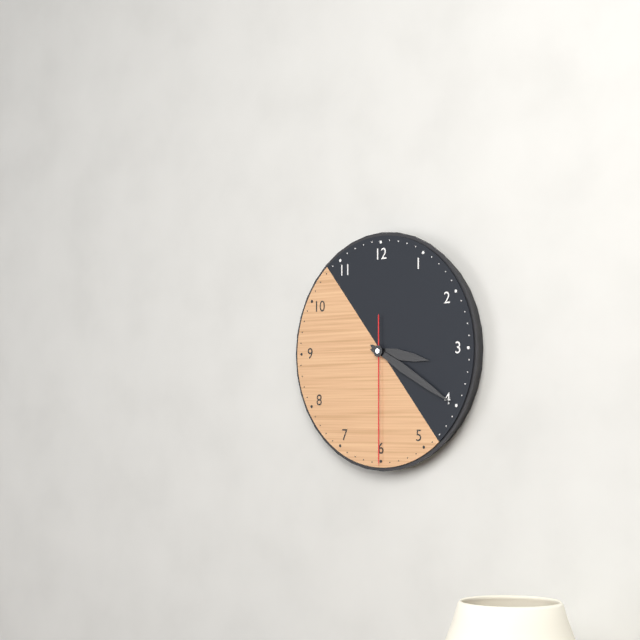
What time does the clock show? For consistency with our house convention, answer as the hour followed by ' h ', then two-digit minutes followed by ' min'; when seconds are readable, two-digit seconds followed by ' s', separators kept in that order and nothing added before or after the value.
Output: 3 h 20 min 30 s
